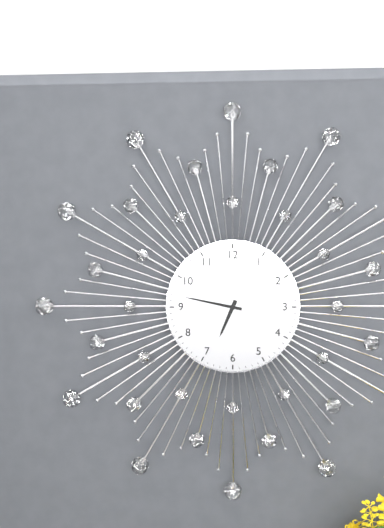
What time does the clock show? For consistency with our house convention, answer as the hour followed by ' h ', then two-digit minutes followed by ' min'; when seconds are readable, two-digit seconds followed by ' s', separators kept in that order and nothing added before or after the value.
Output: 6 h 47 min
